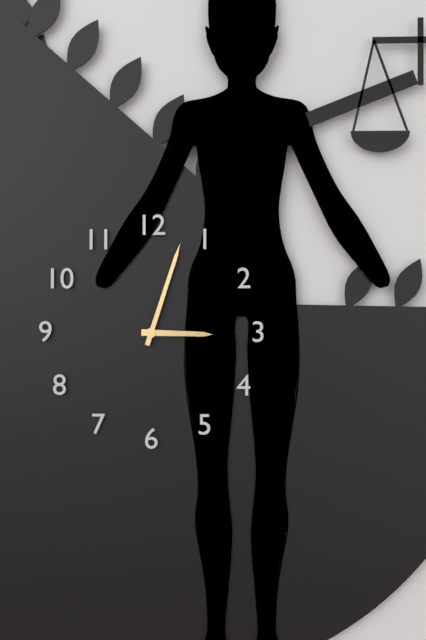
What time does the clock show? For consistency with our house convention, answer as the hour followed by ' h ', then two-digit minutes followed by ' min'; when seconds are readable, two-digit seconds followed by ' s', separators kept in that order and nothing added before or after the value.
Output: 3 h 03 min
